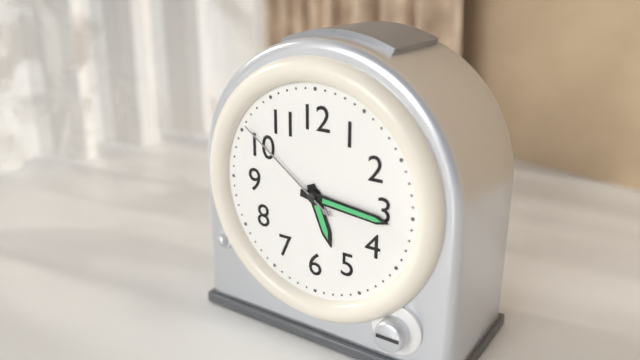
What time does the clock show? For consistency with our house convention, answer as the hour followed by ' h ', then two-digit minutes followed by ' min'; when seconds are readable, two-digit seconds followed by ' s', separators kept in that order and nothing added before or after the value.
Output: 5 h 16 min 51 s
